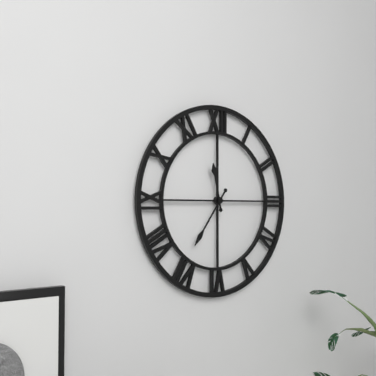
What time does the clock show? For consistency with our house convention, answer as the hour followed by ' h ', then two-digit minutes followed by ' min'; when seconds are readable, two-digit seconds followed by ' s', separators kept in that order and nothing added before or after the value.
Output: 11 h 36 min
